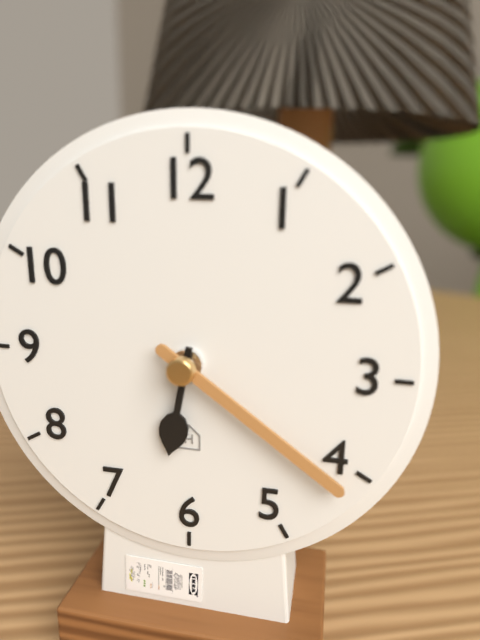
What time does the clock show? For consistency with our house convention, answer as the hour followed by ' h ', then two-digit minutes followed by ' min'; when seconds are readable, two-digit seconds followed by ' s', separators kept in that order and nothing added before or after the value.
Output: 6 h 21 min
